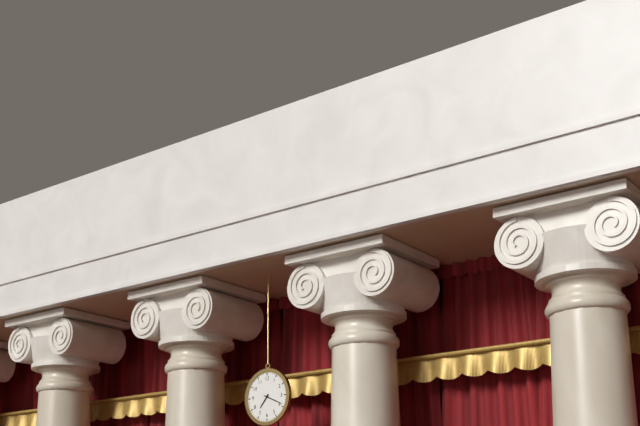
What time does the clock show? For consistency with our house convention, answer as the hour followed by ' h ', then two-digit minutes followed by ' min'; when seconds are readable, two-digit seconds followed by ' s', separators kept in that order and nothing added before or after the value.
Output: 7 h 19 min
